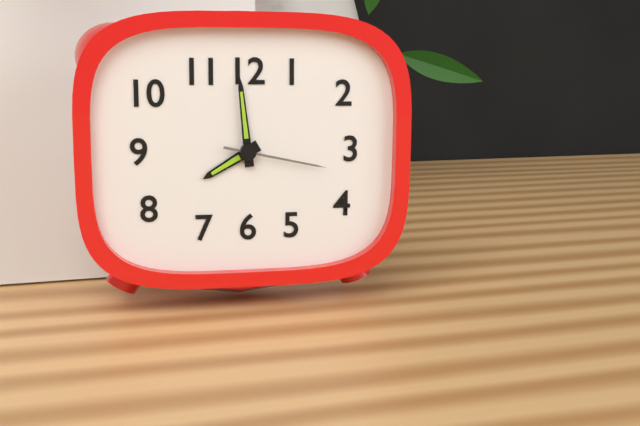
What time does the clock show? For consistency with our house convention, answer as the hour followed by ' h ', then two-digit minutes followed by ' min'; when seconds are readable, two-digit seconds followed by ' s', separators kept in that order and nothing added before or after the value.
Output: 7 h 59 min 17 s
